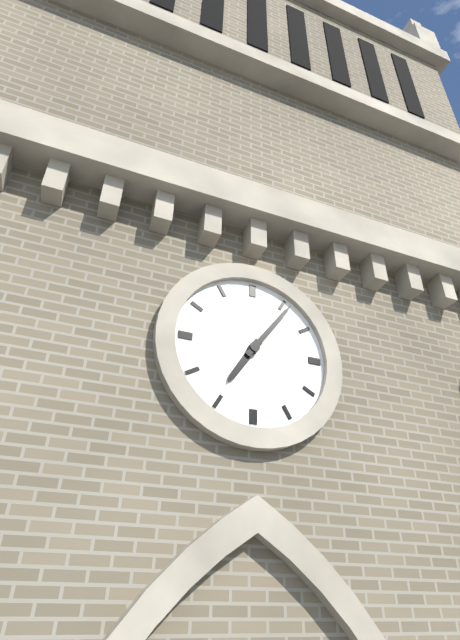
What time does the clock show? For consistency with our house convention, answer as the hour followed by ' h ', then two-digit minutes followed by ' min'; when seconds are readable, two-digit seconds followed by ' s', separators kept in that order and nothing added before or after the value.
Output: 7 h 06 min
